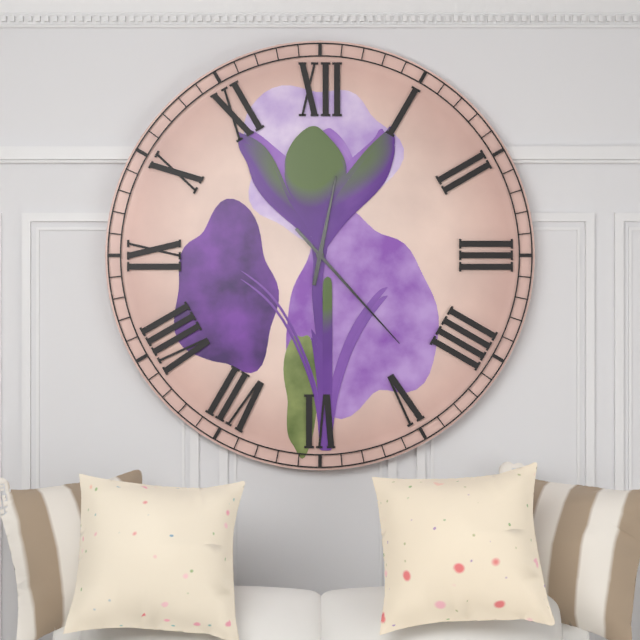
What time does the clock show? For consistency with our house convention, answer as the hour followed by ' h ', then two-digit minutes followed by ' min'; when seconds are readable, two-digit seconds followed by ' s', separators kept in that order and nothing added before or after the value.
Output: 12 h 23 min
